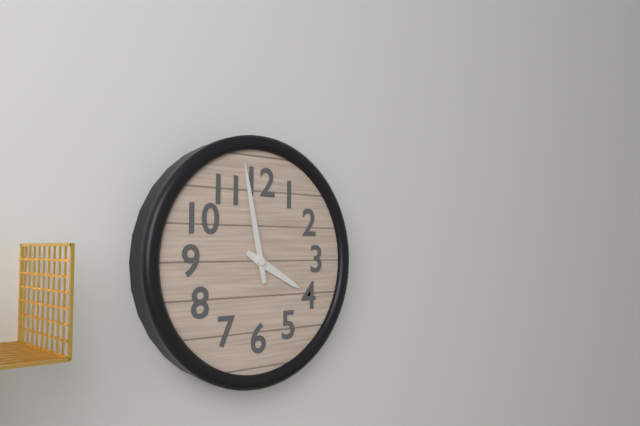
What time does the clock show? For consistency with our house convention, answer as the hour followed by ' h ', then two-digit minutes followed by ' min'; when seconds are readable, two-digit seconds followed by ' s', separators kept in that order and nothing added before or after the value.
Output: 3 h 58 min
